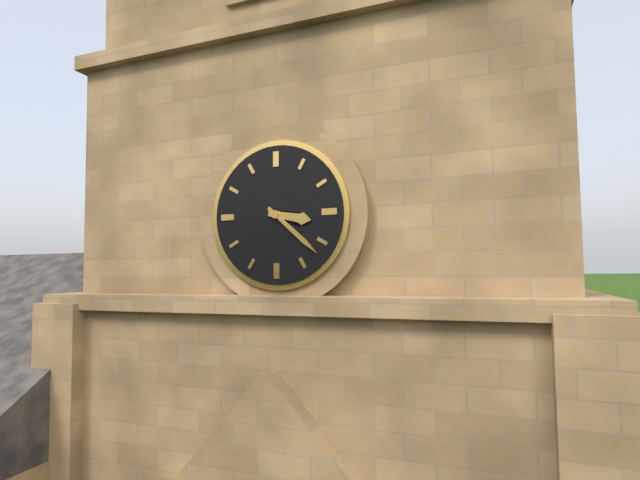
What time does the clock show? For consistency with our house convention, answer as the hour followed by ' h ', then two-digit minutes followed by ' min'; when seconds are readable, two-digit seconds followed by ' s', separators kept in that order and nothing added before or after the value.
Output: 3 h 22 min
